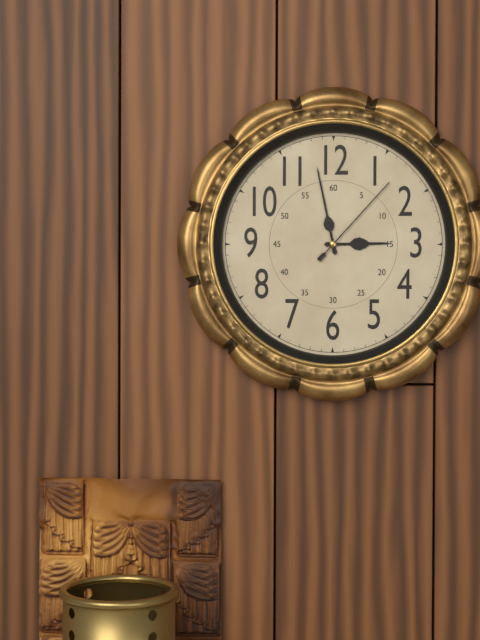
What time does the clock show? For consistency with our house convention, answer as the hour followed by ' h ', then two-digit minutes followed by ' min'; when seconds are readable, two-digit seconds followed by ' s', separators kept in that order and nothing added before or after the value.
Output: 2 h 58 min 07 s
